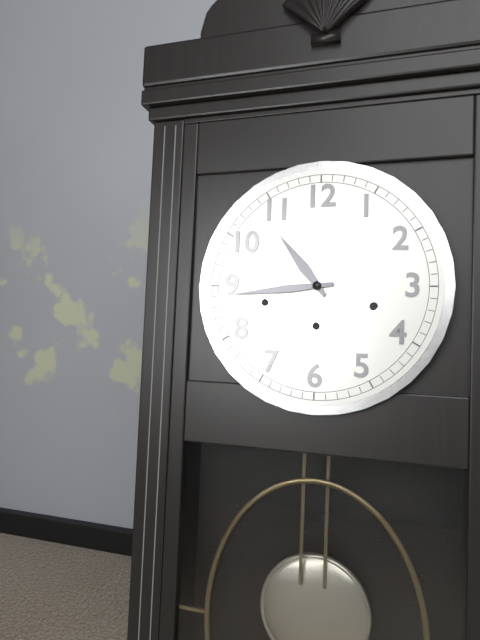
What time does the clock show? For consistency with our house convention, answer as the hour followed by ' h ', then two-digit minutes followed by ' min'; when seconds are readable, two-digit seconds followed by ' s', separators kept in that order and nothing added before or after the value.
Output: 10 h 44 min
